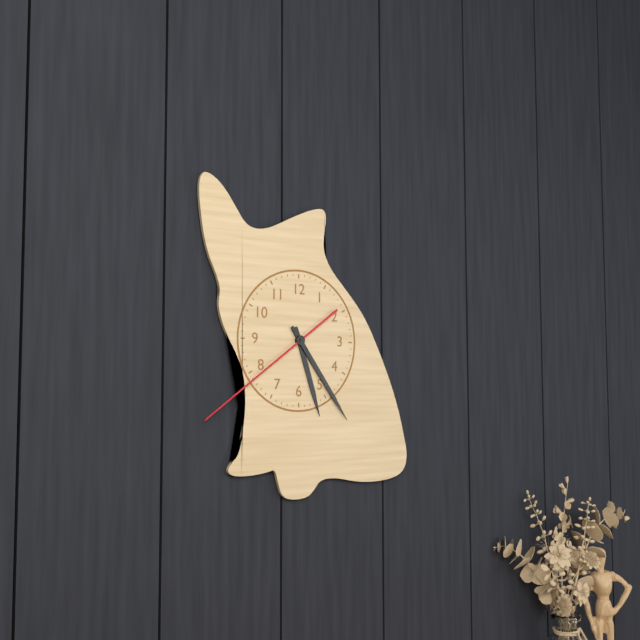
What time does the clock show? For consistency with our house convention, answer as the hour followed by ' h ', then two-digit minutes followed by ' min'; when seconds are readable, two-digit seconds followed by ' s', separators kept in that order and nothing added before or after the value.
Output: 5 h 24 min 39 s
